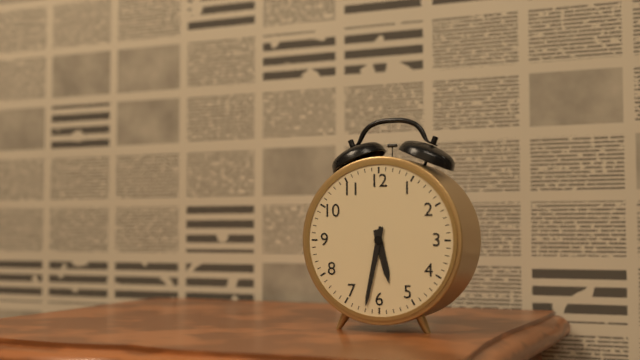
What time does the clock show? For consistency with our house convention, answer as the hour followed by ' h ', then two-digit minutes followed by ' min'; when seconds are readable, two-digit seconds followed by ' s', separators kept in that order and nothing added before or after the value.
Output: 5 h 32 min
